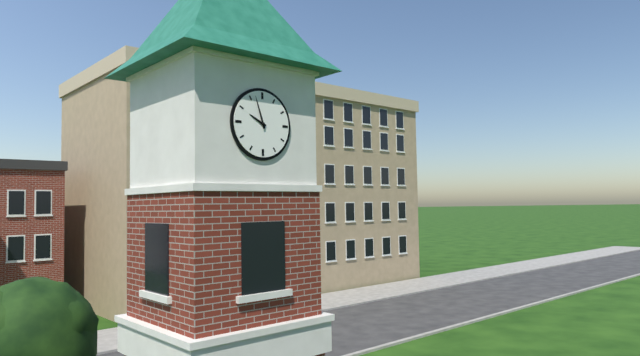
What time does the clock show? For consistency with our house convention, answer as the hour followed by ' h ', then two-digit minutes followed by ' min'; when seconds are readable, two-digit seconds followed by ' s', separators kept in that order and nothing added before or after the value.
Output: 9 h 57 min
